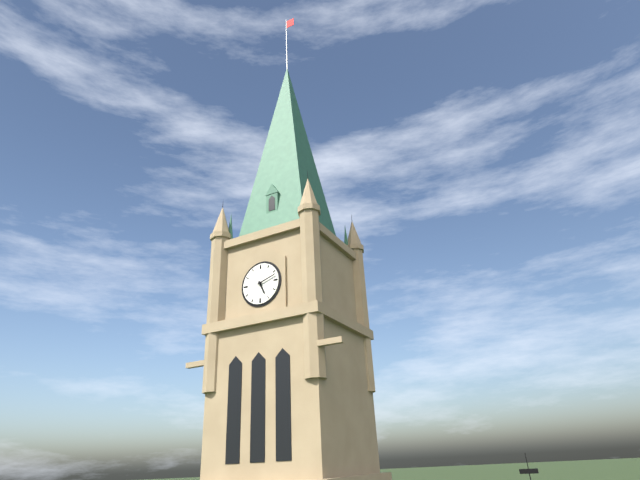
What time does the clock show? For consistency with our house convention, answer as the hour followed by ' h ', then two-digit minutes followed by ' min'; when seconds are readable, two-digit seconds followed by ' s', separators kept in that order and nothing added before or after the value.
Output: 5 h 12 min
